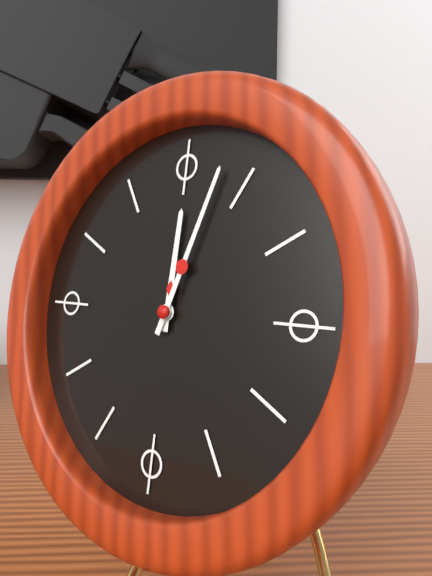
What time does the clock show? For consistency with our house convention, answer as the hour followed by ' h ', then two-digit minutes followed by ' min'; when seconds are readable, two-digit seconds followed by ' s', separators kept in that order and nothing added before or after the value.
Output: 12 h 03 min
